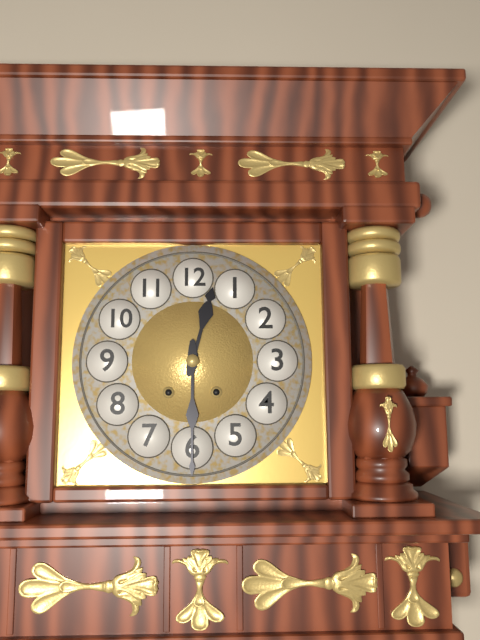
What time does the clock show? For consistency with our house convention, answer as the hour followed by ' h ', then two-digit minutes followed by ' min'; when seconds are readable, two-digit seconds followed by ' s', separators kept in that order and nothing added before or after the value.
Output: 12 h 30 min
